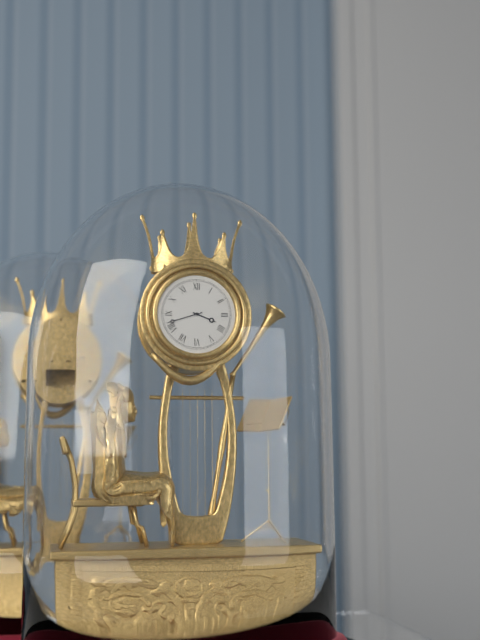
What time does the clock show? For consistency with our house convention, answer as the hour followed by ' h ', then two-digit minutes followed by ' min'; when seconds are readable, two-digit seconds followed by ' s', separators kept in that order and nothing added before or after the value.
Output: 3 h 42 min
